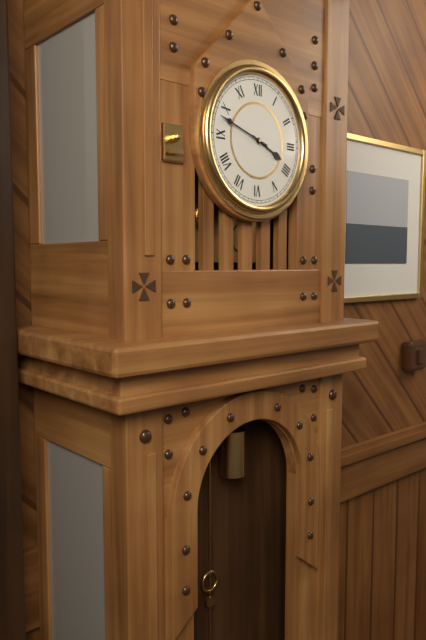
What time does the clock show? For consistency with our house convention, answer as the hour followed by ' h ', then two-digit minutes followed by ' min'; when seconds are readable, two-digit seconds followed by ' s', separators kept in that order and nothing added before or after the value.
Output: 3 h 48 min
